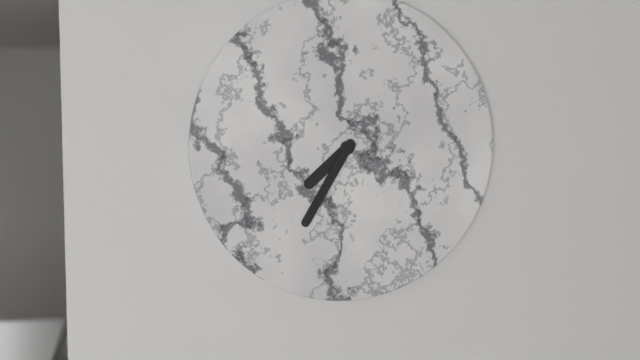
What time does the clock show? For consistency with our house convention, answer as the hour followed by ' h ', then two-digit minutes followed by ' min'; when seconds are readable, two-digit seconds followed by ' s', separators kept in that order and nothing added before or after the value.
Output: 7 h 35 min
